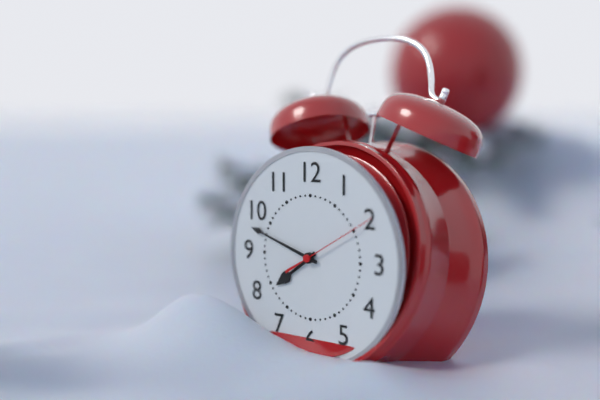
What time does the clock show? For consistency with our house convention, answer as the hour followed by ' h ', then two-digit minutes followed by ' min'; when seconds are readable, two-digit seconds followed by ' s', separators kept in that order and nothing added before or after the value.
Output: 7 h 48 min 10 s
